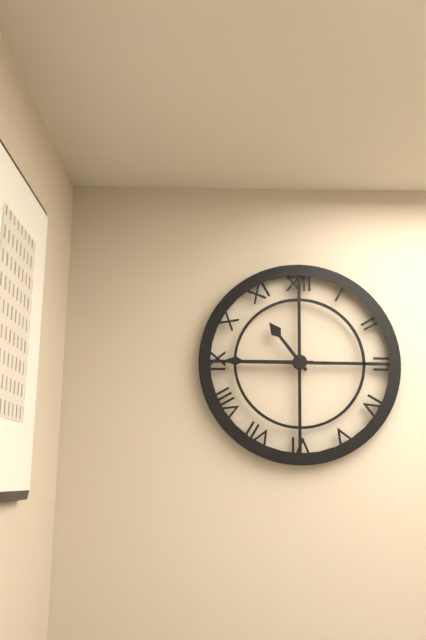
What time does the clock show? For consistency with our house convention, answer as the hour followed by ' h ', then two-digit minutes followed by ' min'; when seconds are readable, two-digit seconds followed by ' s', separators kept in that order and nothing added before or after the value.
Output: 10 h 45 min
